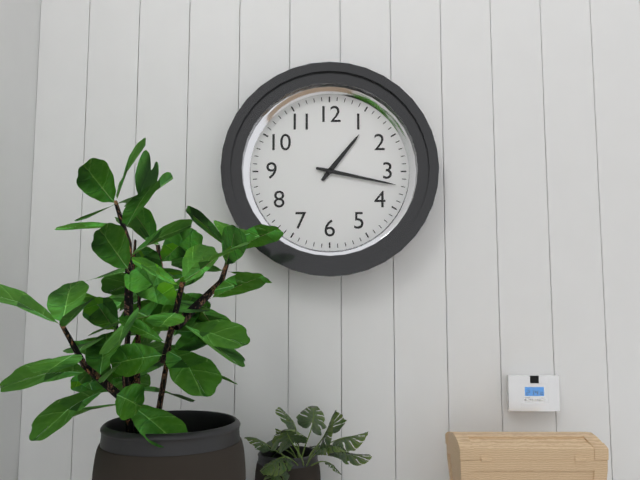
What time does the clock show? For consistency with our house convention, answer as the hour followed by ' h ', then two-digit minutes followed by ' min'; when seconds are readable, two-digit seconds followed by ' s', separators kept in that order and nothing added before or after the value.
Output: 1 h 17 min
